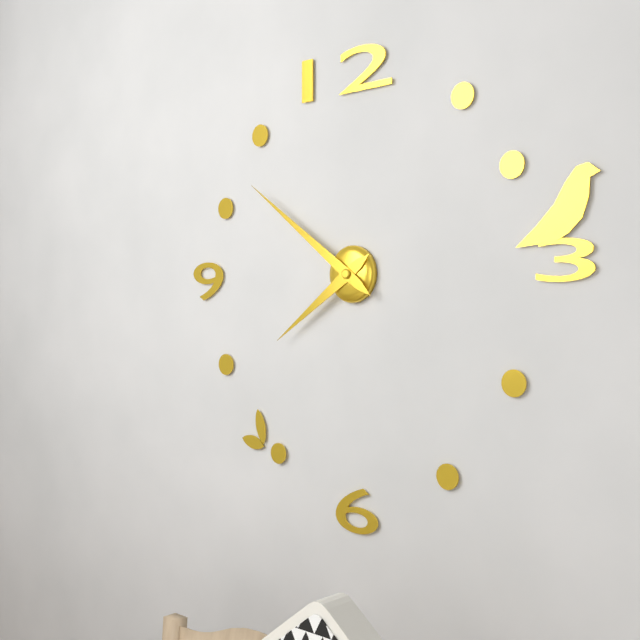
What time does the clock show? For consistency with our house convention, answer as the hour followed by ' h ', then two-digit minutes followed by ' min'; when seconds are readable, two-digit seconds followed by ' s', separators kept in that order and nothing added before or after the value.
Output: 7 h 51 min
